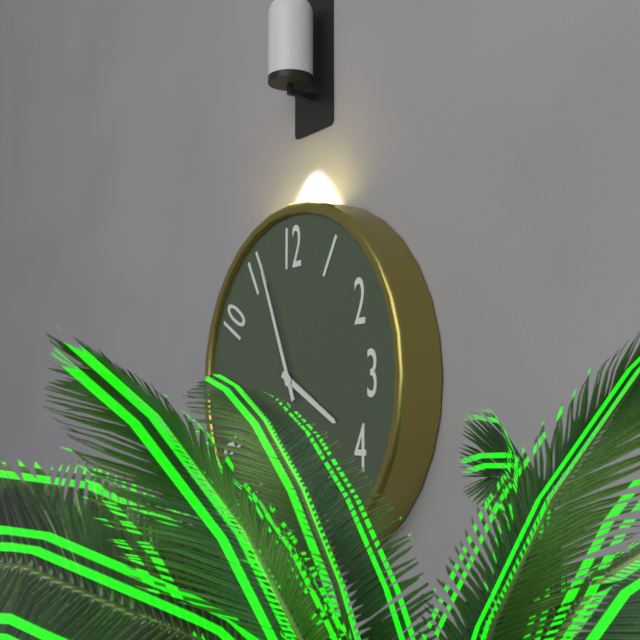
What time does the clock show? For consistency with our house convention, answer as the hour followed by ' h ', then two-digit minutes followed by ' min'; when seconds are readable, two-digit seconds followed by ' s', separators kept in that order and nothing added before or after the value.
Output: 3 h 56 min
